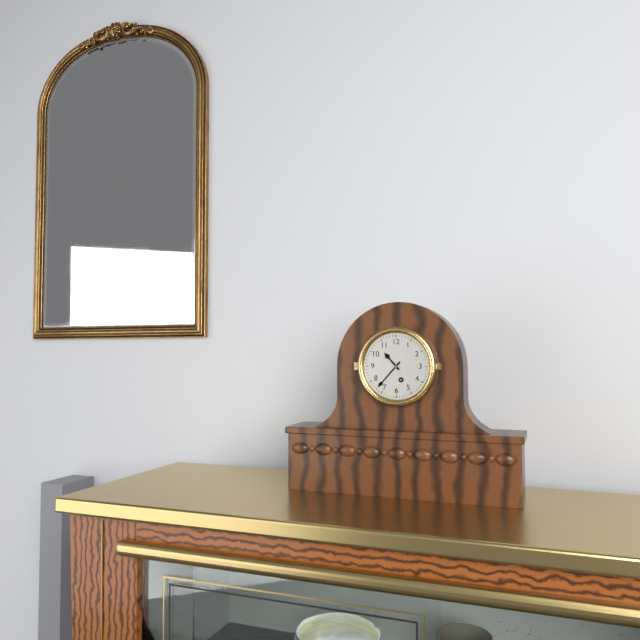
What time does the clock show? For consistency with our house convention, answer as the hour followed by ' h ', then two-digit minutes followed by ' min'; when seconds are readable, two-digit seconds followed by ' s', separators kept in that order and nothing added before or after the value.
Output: 10 h 37 min
